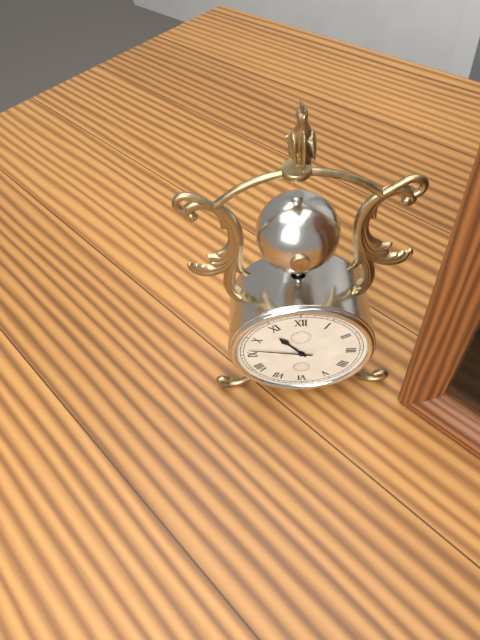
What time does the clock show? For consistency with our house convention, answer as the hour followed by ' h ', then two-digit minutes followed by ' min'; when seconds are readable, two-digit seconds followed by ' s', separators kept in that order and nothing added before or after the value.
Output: 10 h 47 min
